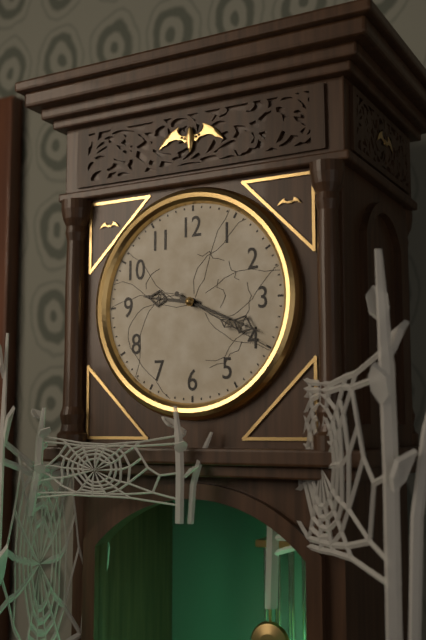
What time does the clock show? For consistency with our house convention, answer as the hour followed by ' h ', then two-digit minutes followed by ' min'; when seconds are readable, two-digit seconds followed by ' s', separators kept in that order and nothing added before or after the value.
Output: 9 h 19 min 20 s
